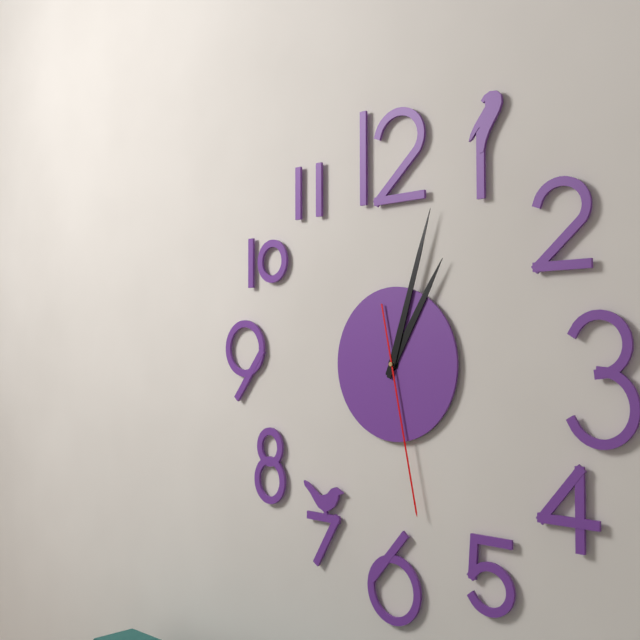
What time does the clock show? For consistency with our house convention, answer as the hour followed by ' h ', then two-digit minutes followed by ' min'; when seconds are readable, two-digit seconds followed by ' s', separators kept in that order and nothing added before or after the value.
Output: 1 h 03 min 28 s
